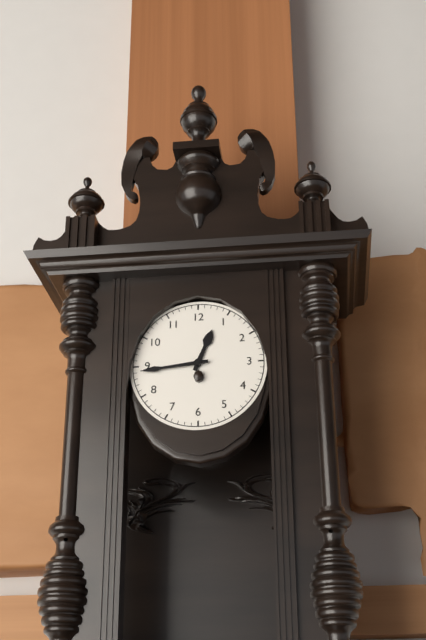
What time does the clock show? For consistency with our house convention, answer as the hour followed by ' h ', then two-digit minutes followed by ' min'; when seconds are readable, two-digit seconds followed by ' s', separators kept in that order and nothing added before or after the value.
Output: 12 h 44 min
